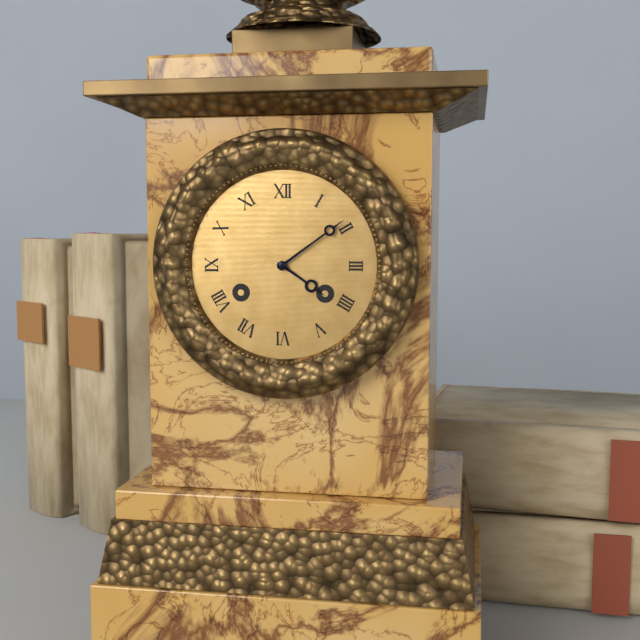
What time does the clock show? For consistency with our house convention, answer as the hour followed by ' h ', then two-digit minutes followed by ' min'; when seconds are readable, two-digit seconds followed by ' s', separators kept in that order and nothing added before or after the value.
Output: 4 h 09 min
